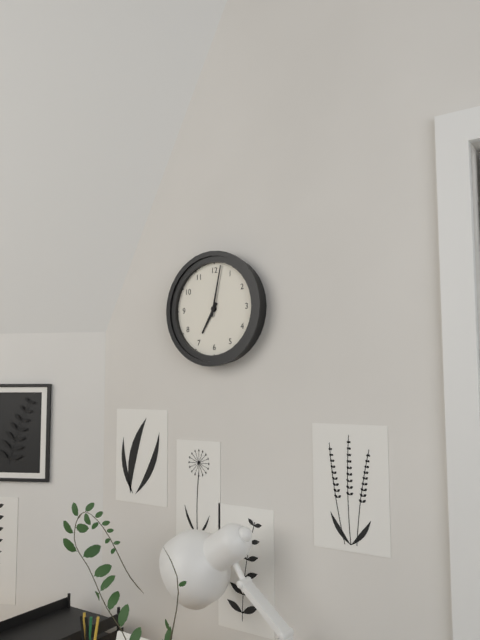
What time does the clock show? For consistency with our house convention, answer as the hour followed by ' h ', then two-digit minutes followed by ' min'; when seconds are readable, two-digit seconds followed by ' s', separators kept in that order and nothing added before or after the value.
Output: 7 h 02 min
